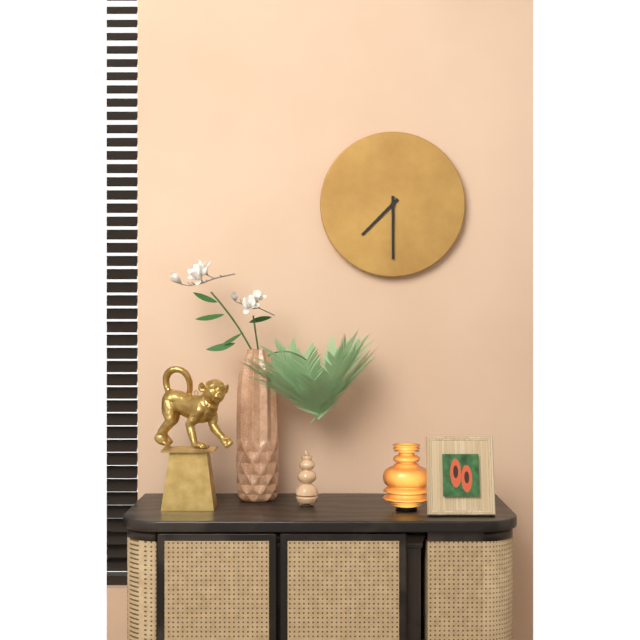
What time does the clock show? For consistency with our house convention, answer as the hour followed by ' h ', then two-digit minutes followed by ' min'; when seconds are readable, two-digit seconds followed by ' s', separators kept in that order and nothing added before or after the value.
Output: 7 h 30 min
